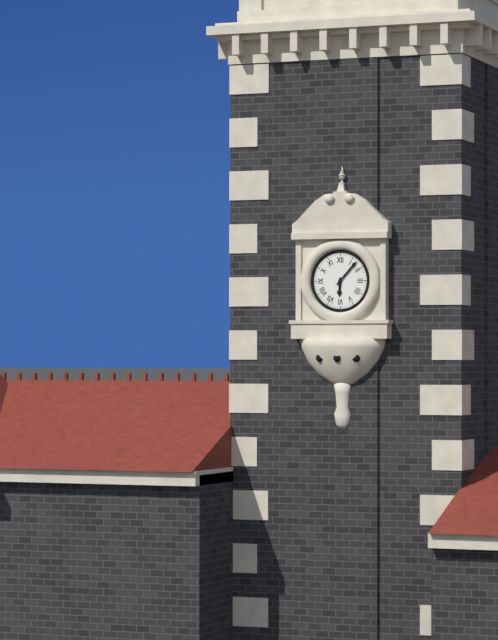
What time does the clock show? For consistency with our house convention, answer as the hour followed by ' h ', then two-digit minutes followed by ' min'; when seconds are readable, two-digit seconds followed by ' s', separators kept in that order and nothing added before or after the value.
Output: 6 h 07 min
